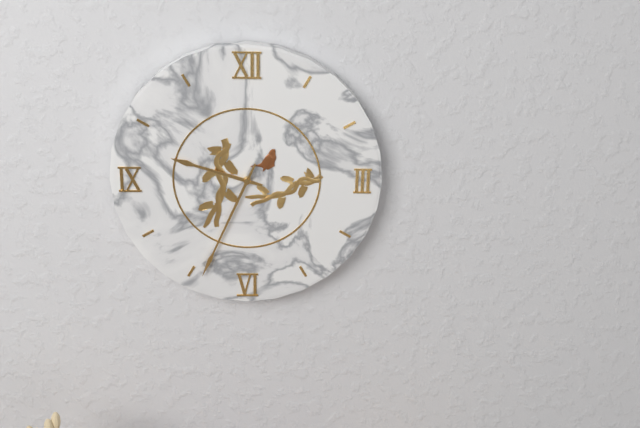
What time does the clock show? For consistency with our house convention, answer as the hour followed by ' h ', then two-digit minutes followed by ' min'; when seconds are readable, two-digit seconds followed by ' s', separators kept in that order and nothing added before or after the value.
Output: 9 h 34 min
